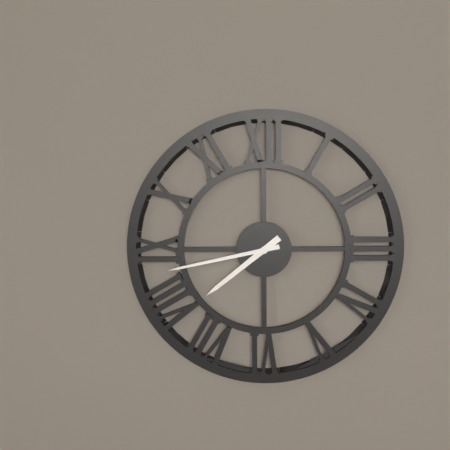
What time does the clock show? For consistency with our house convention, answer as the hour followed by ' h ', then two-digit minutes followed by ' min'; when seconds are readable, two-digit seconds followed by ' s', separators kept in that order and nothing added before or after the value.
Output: 7 h 43 min
